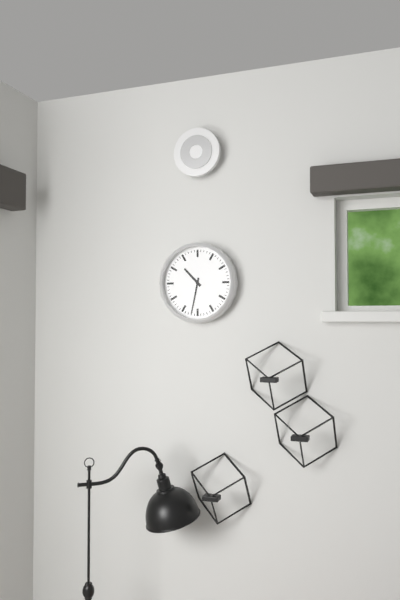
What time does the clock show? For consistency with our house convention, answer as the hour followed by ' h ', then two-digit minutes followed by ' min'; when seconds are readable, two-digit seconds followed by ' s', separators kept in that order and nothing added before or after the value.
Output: 10 h 32 min
